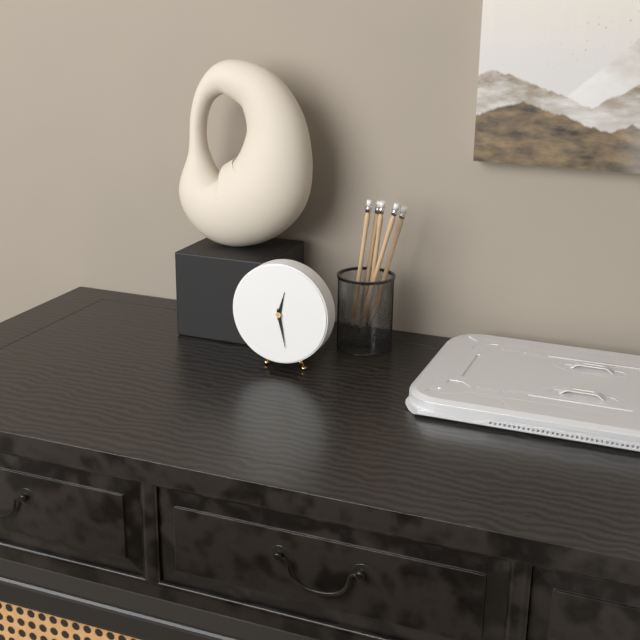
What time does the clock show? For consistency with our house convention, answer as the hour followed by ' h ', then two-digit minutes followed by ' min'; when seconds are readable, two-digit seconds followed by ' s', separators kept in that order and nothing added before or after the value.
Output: 12 h 28 min
